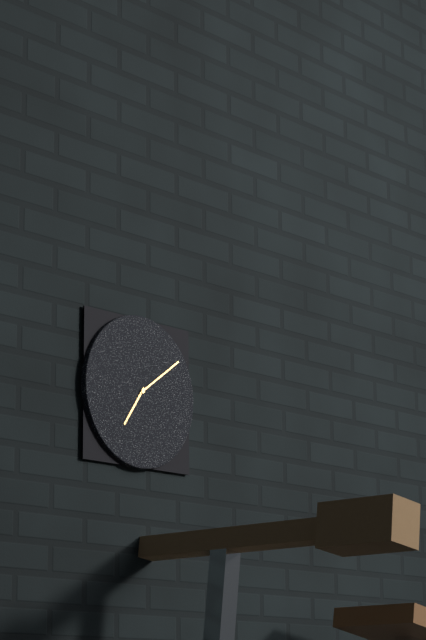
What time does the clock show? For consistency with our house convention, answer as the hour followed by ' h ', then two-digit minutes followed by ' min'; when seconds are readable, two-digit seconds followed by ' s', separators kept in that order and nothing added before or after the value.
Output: 7 h 09 min
